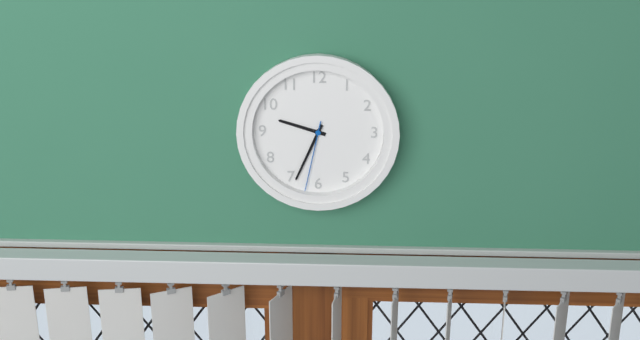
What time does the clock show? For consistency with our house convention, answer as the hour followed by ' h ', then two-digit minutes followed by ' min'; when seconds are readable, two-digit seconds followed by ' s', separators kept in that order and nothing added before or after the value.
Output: 9 h 34 min 32 s
